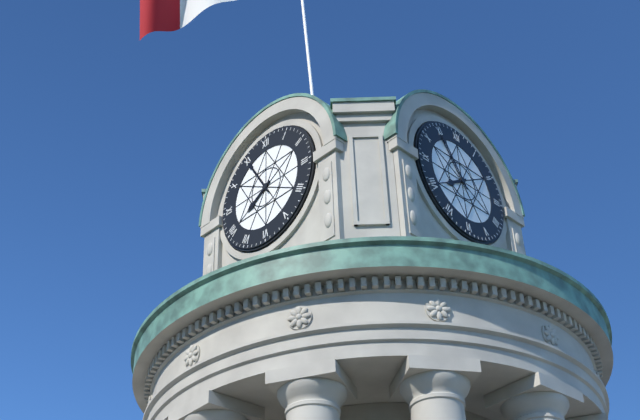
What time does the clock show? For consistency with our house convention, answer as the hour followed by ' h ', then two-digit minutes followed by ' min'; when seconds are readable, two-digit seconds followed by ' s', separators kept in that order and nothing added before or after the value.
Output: 7 h 55 min
